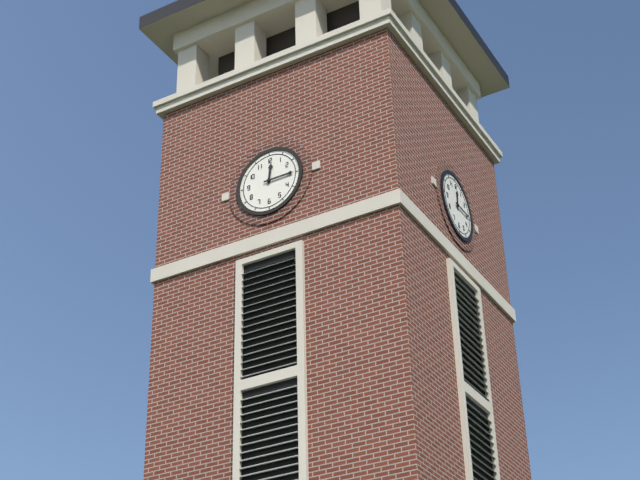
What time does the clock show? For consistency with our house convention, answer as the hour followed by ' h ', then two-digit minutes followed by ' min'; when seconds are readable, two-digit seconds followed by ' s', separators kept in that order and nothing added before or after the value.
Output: 12 h 15 min
